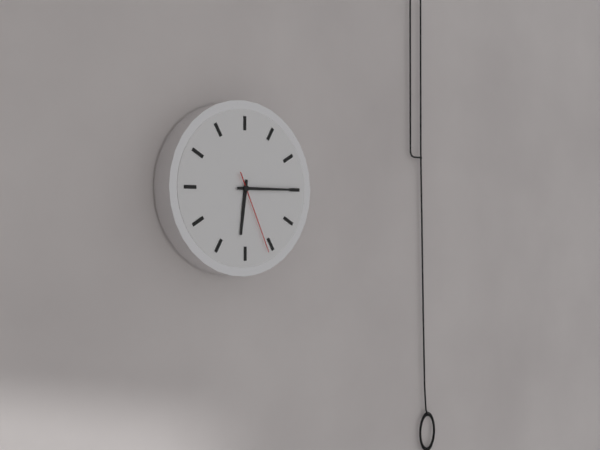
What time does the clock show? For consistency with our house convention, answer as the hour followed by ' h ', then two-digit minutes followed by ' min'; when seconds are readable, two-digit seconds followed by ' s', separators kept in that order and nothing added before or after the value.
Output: 6 h 15 min 26 s
